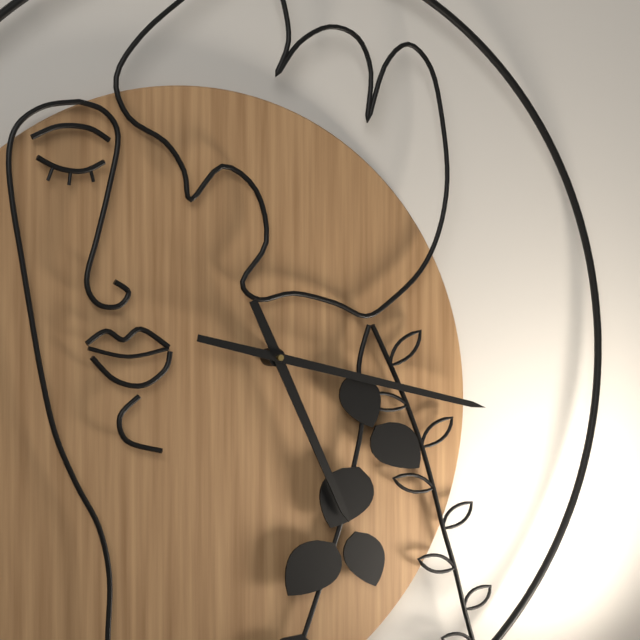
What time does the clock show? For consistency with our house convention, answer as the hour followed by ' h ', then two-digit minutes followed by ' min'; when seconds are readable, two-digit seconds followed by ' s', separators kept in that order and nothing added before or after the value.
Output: 5 h 18 min
